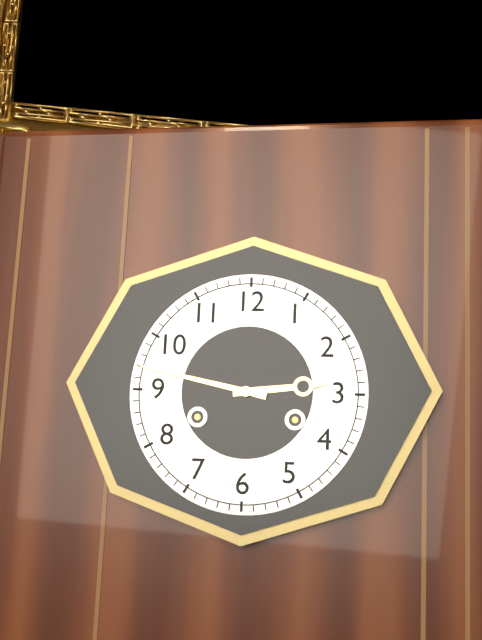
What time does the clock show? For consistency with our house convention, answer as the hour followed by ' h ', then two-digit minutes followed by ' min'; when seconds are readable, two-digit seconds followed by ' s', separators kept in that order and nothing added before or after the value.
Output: 2 h 47 min
